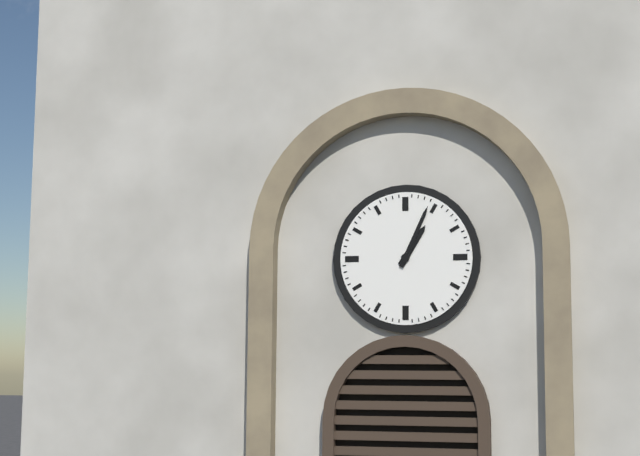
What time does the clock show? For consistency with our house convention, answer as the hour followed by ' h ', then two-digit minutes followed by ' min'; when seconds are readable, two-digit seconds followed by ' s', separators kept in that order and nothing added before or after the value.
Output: 1 h 04 min
